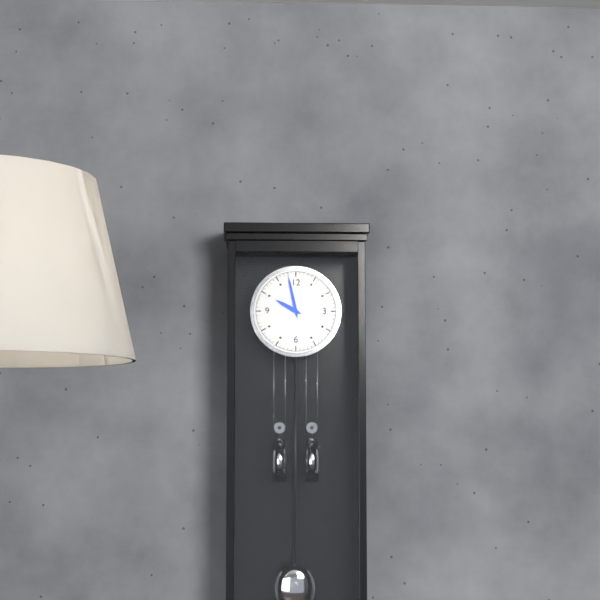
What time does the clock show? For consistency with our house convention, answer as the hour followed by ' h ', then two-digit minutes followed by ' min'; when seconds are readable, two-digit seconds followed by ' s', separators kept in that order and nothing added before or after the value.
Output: 9 h 58 min
